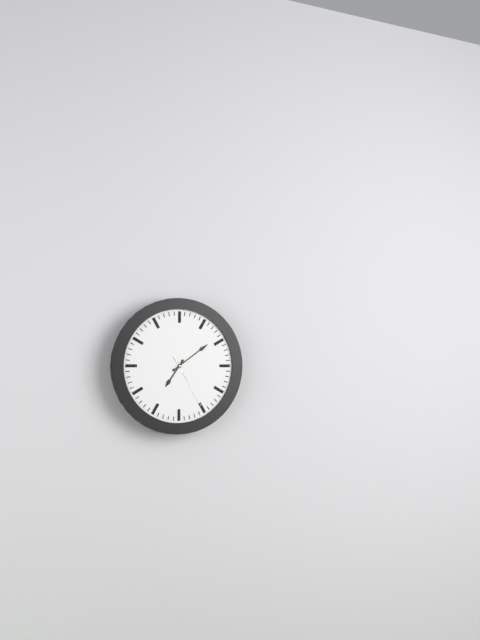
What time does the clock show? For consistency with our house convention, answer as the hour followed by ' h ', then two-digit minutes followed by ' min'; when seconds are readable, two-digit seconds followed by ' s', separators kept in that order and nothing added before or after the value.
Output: 7 h 09 min 25 s
